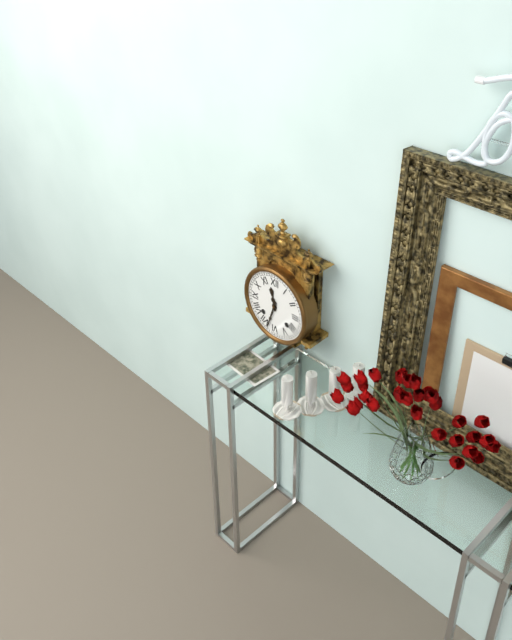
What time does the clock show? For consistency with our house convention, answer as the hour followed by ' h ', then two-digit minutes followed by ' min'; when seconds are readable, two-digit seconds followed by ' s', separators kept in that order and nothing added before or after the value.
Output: 11 h 33 min
